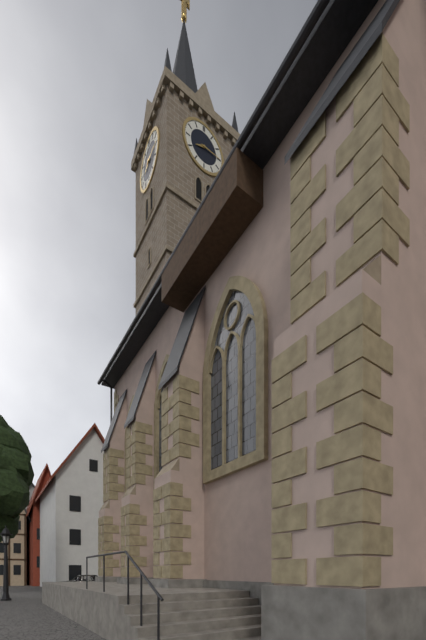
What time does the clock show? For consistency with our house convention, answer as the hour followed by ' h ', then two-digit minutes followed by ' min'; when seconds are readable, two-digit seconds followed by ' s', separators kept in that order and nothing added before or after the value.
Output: 8 h 15 min
